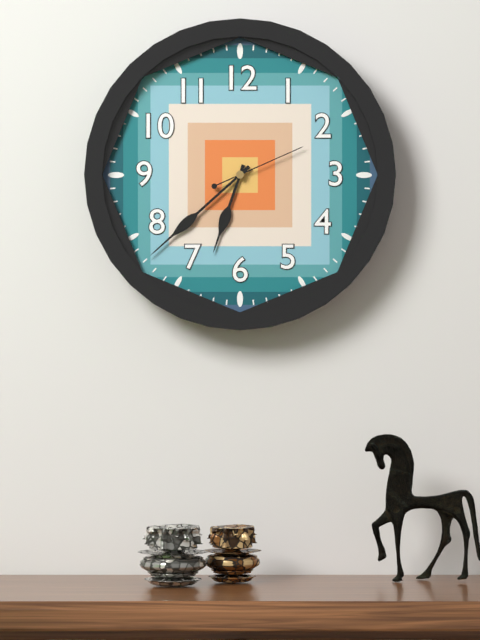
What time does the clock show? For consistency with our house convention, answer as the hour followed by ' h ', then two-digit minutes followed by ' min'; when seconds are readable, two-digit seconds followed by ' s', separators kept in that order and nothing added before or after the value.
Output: 6 h 38 min 11 s
